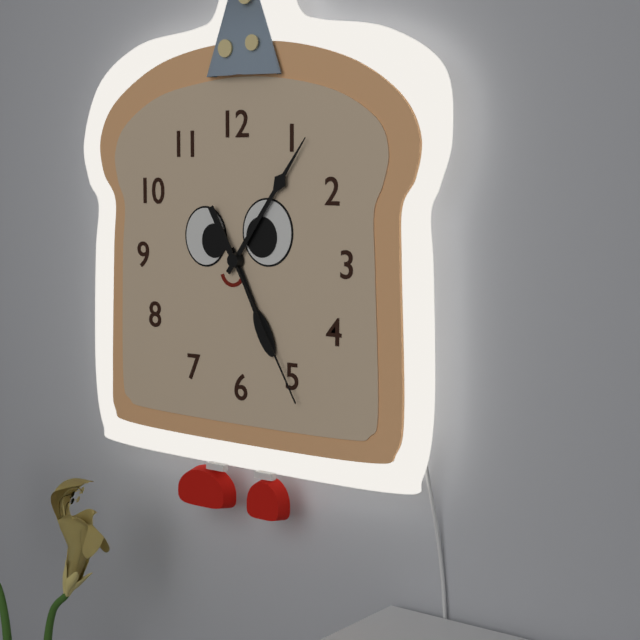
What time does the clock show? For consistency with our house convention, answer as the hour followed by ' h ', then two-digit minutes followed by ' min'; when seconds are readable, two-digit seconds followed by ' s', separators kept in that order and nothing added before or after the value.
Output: 5 h 06 min 25 s
